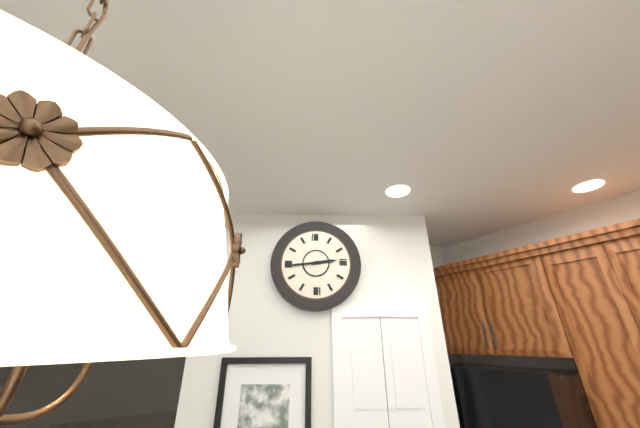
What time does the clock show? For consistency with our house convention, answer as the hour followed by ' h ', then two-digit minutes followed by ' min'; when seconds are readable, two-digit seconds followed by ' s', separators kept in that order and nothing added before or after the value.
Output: 2 h 44 min
